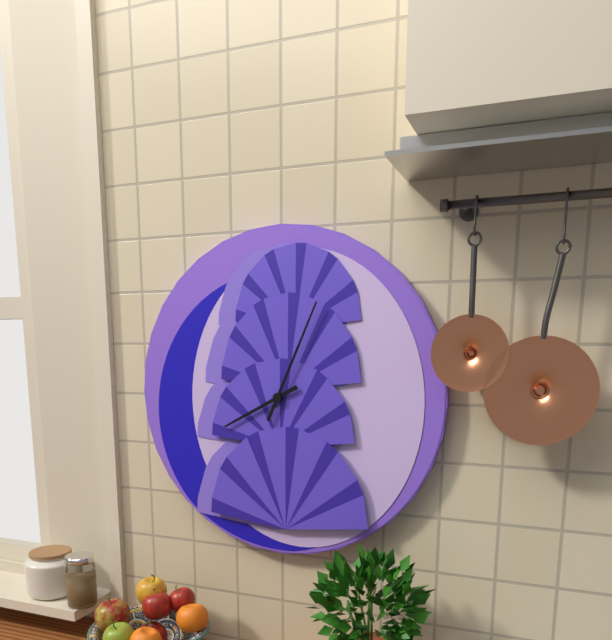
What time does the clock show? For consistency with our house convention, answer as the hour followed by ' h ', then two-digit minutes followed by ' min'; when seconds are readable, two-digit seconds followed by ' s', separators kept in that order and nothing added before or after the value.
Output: 8 h 04 min
